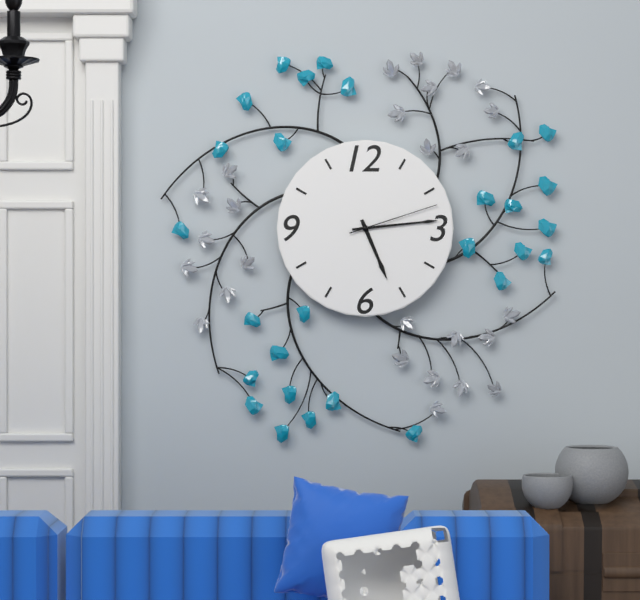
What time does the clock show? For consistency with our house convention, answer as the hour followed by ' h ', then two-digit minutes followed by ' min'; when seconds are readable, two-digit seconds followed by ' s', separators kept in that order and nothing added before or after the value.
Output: 5 h 14 min 12 s
